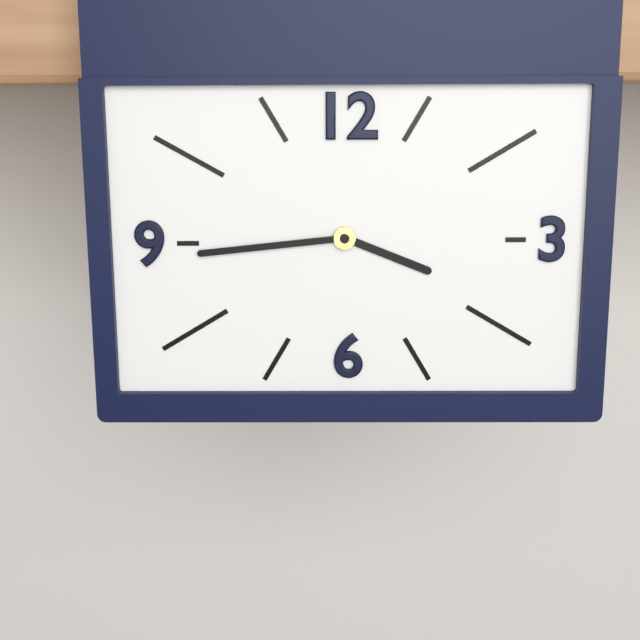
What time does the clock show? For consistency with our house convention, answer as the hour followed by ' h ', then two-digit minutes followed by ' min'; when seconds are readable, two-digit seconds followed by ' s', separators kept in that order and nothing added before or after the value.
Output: 3 h 44 min
